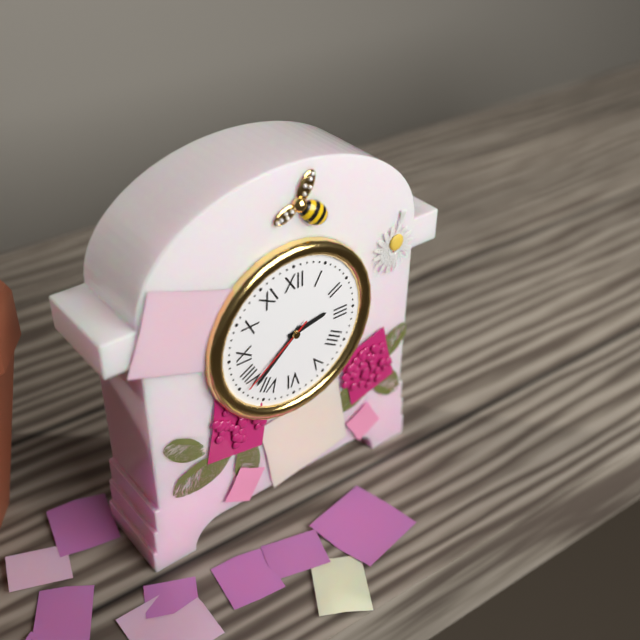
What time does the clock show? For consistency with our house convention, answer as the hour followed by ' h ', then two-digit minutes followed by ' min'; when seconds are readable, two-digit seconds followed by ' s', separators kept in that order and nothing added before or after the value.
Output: 2 h 38 min 39 s
